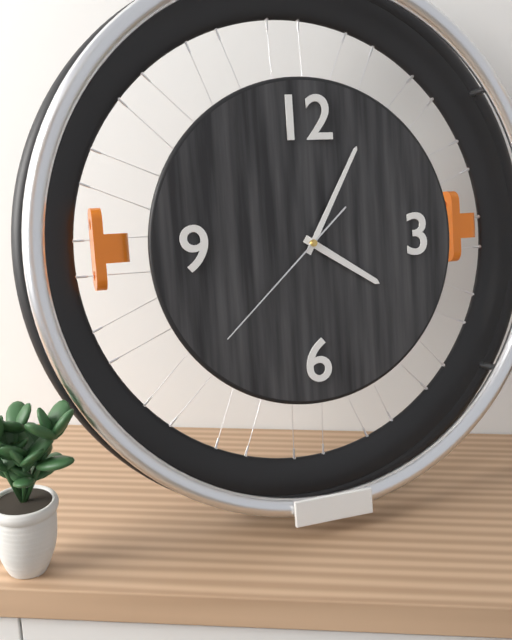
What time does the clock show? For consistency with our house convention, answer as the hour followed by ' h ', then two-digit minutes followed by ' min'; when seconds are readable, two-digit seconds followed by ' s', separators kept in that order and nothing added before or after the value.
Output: 4 h 05 min 38 s
